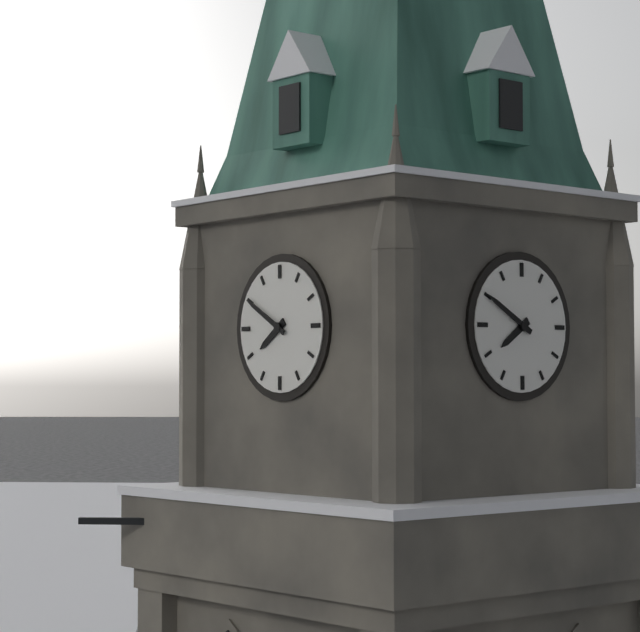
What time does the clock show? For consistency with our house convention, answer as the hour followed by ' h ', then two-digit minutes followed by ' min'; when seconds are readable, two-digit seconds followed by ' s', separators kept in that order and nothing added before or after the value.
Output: 7 h 50 min
